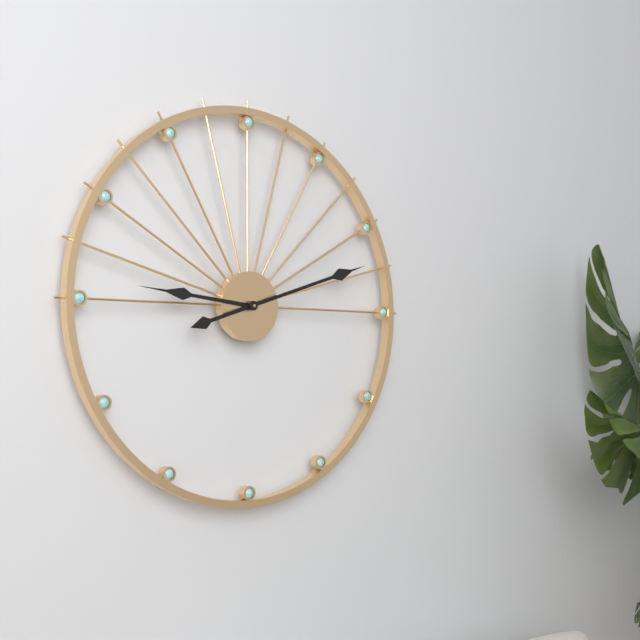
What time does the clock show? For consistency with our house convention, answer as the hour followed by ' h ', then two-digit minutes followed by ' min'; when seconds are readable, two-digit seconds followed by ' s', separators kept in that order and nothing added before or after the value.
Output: 9 h 12 min
